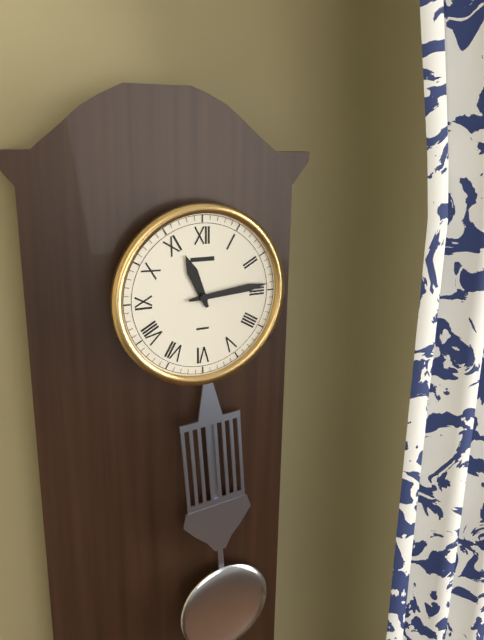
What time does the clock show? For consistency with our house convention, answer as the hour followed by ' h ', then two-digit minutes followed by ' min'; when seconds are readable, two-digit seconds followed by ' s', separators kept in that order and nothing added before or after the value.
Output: 11 h 14 min
